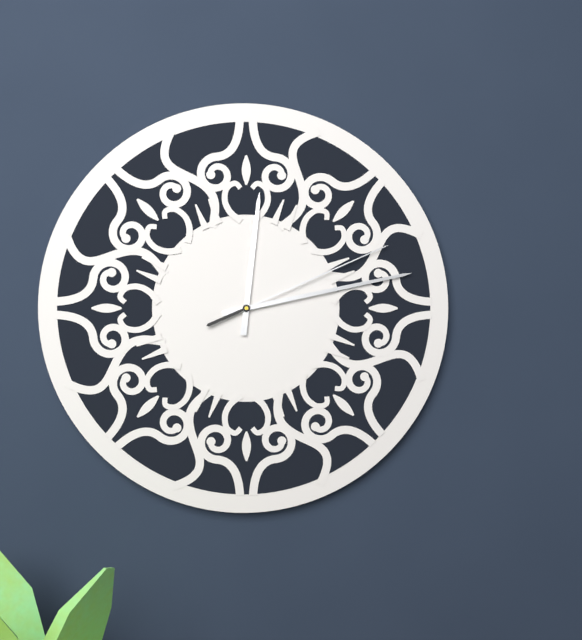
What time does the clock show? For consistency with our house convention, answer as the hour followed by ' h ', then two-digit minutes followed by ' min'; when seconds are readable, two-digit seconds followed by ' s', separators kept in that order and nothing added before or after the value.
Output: 12 h 13 min 11 s
